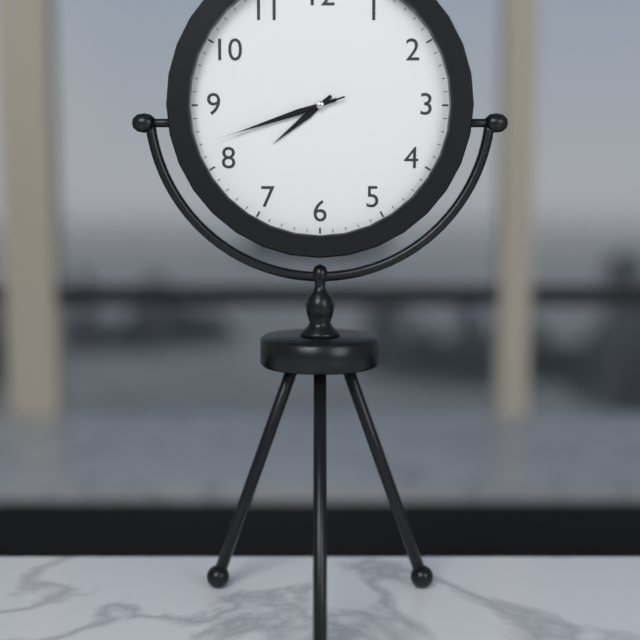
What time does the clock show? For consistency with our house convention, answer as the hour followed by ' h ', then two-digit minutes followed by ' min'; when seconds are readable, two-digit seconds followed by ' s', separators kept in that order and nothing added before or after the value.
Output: 7 h 42 min 42 s
